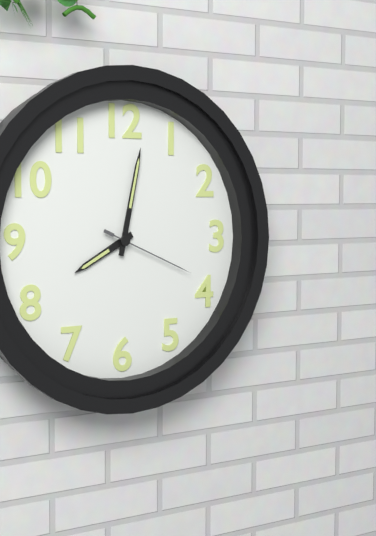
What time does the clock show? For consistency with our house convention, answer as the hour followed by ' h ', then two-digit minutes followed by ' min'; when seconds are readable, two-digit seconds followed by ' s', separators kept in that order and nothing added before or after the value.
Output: 8 h 02 min 19 s
